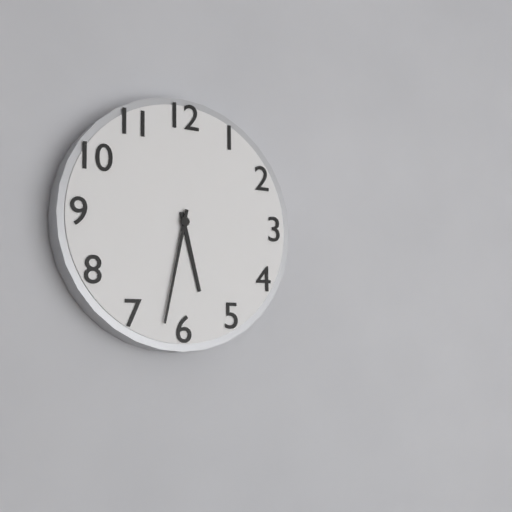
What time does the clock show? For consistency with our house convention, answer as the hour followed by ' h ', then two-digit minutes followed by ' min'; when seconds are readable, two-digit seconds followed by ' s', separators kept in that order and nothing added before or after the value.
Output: 5 h 32 min
